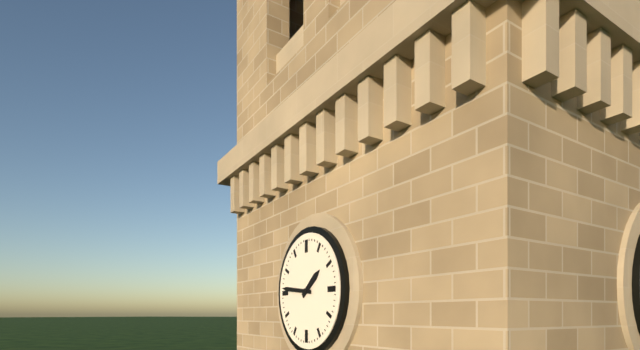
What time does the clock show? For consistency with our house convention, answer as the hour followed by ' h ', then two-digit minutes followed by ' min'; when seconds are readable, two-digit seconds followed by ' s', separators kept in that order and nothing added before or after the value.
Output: 1 h 46 min
